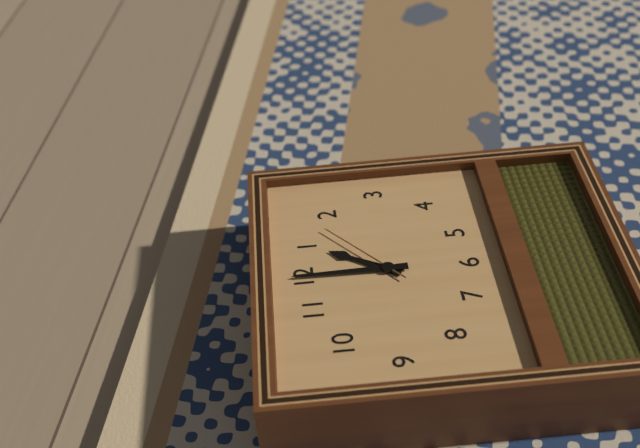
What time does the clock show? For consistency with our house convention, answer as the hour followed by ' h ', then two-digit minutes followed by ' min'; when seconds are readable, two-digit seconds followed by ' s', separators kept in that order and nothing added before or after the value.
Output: 1 h 00 min 08 s
